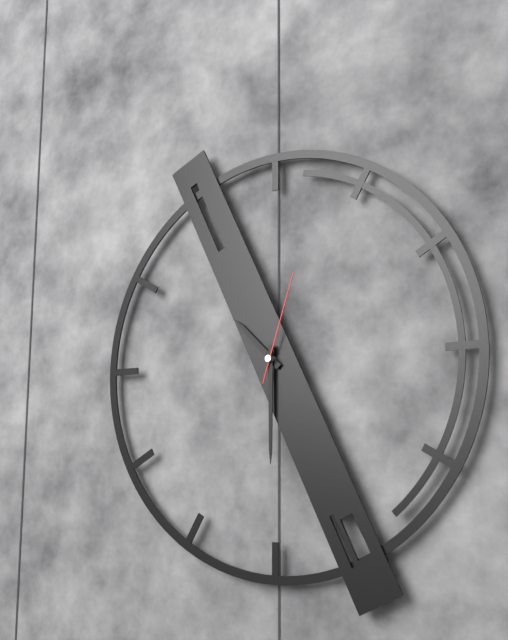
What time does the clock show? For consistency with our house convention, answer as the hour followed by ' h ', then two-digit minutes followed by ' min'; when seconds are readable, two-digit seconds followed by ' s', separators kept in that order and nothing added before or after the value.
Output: 10 h 30 min 03 s
